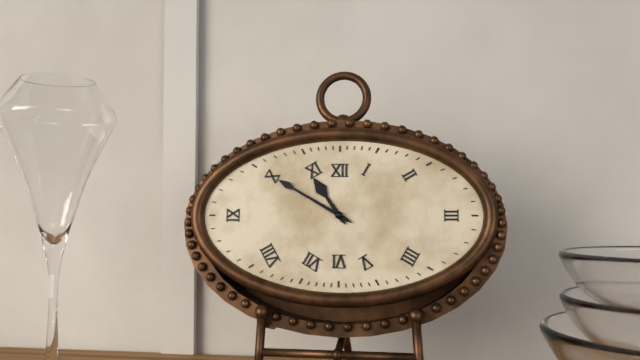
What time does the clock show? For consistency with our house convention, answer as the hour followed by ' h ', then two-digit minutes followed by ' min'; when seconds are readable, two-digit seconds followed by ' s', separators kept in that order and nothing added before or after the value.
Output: 10 h 50 min
